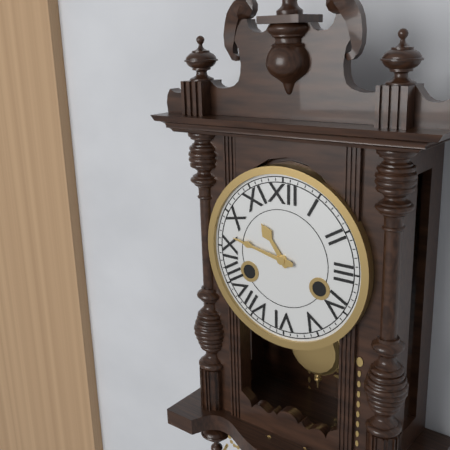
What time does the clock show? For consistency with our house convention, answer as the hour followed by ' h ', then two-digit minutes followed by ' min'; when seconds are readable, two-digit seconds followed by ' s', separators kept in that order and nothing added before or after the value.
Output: 10 h 47 min
